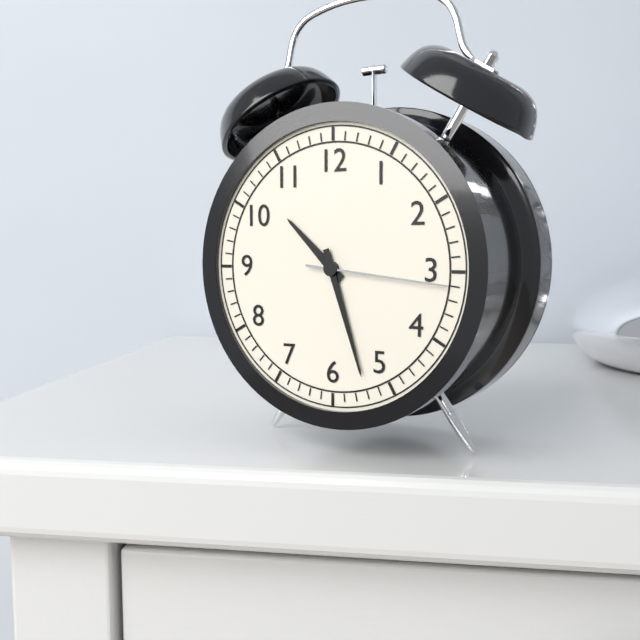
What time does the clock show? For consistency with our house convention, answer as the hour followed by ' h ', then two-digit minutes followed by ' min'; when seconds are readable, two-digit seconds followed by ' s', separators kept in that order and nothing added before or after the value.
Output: 10 h 27 min 16 s
